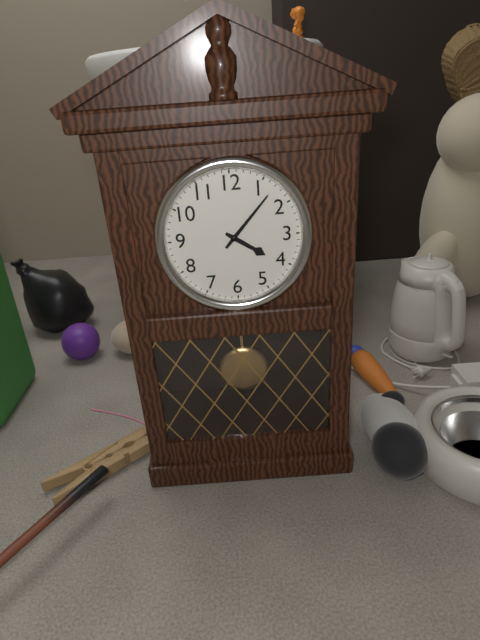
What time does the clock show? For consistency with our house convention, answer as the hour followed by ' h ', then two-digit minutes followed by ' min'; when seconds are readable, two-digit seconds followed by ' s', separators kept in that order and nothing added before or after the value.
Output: 4 h 07 min
